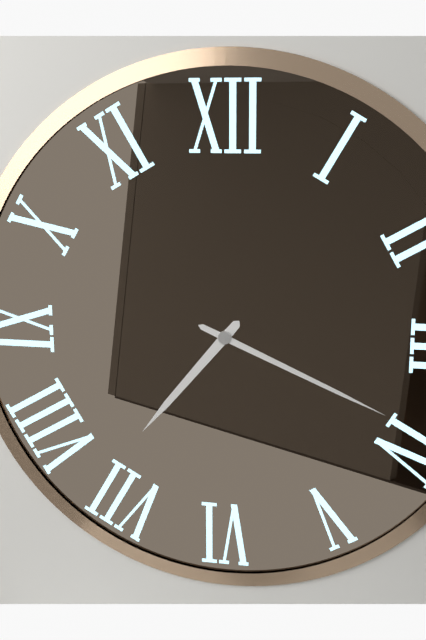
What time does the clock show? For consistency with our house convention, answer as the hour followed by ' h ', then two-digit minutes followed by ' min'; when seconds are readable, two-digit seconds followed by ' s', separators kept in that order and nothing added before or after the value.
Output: 7 h 19 min
